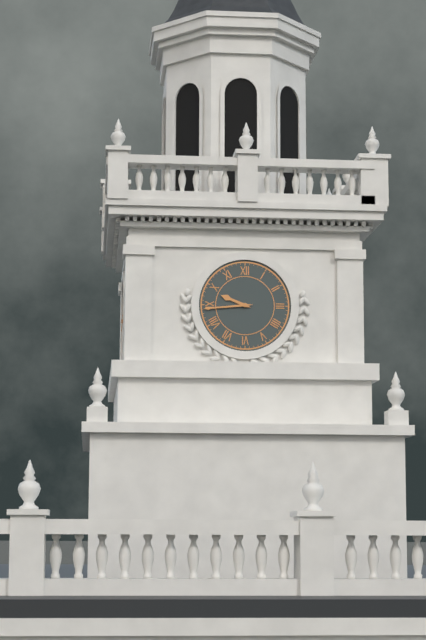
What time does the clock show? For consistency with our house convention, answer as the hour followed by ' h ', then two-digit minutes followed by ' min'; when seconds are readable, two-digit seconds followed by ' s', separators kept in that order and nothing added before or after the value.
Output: 9 h 44 min
